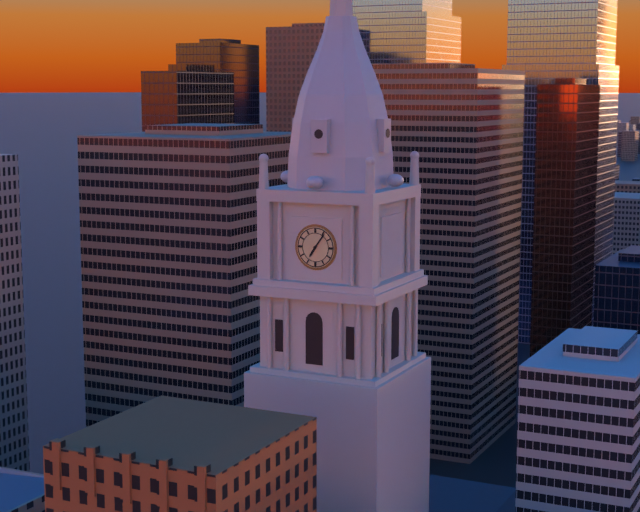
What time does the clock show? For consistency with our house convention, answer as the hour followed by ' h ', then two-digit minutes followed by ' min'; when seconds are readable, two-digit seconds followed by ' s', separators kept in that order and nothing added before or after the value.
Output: 7 h 06 min
